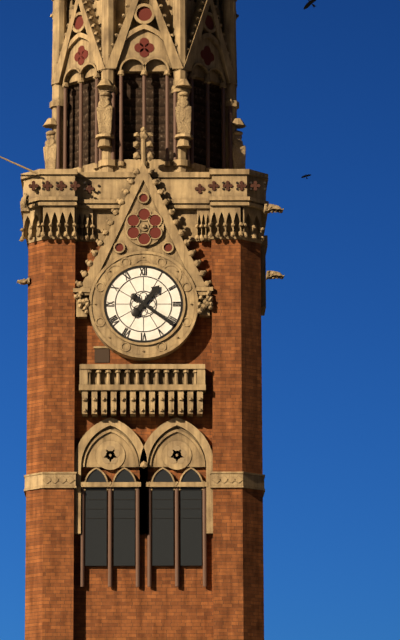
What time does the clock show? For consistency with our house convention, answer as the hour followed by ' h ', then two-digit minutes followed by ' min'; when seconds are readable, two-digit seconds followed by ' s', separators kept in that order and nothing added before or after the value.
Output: 1 h 21 min
